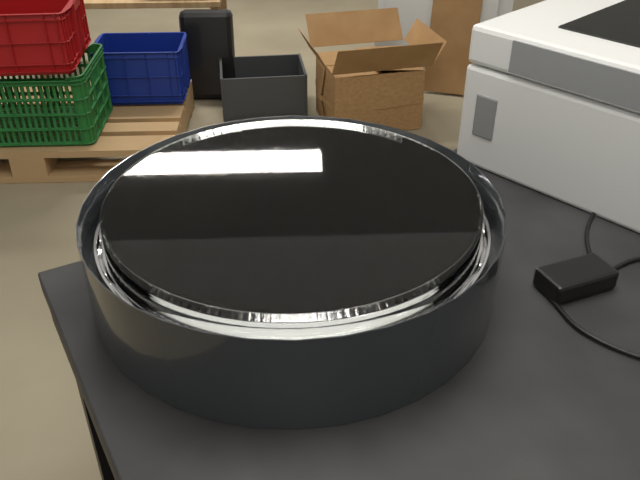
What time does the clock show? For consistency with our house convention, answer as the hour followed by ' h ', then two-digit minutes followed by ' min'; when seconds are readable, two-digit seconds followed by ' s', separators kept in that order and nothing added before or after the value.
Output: 1 h 16 min
